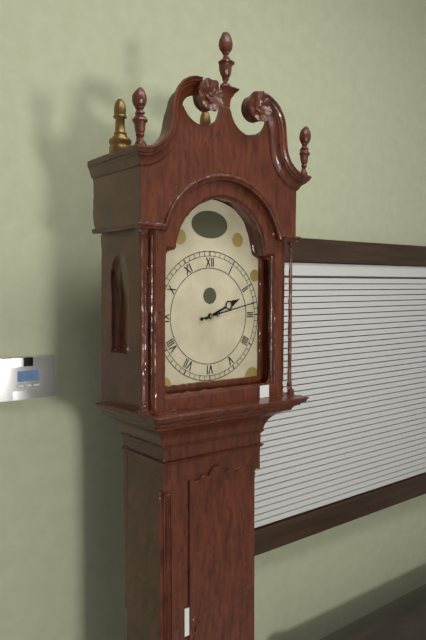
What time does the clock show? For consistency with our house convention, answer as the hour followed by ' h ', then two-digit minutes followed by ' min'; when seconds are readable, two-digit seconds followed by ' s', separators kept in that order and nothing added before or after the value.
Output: 2 h 13 min
